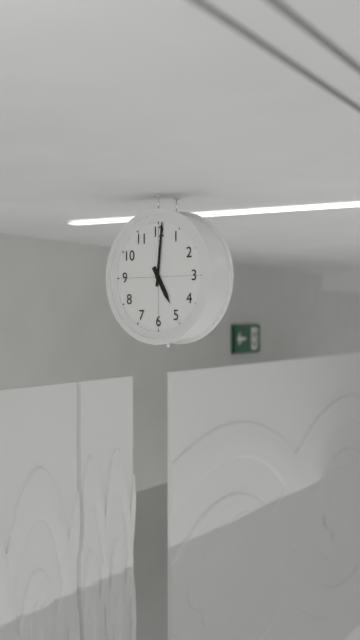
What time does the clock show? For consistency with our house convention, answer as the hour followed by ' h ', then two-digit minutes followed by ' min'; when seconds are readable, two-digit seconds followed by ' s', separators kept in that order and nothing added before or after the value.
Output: 5 h 01 min
